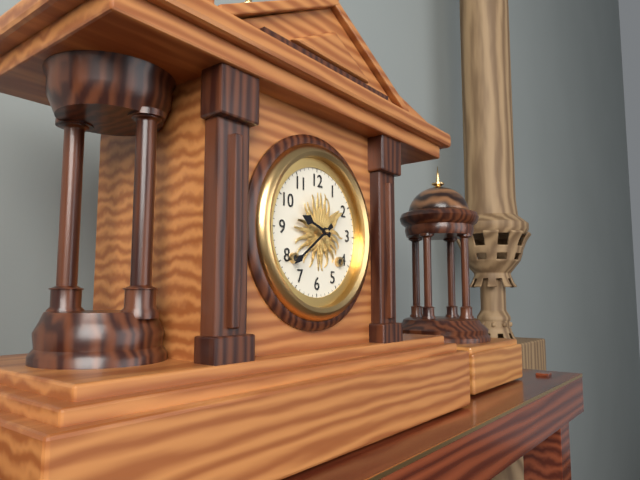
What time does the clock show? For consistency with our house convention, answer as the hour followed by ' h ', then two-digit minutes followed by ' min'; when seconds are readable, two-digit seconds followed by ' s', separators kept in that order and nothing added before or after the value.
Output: 9 h 39 min
